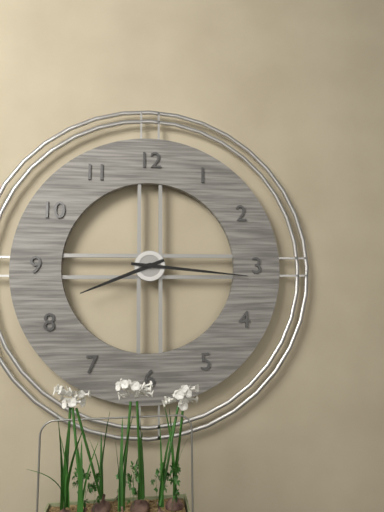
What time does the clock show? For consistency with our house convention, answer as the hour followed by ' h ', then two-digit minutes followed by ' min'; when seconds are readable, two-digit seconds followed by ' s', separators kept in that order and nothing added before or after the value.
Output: 8 h 16 min
